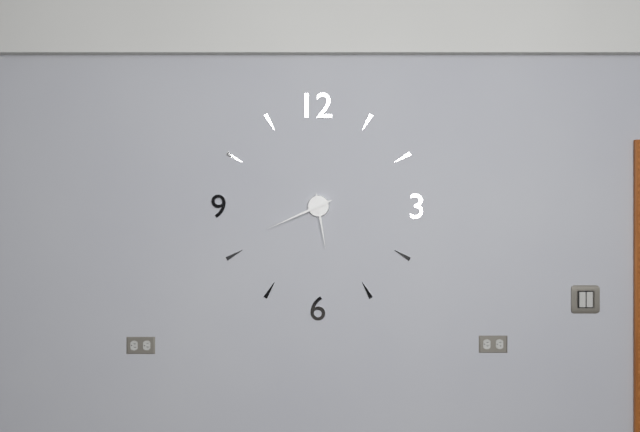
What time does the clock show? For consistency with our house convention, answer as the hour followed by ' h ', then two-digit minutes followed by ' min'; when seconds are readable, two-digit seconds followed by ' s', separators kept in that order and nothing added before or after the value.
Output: 5 h 41 min
